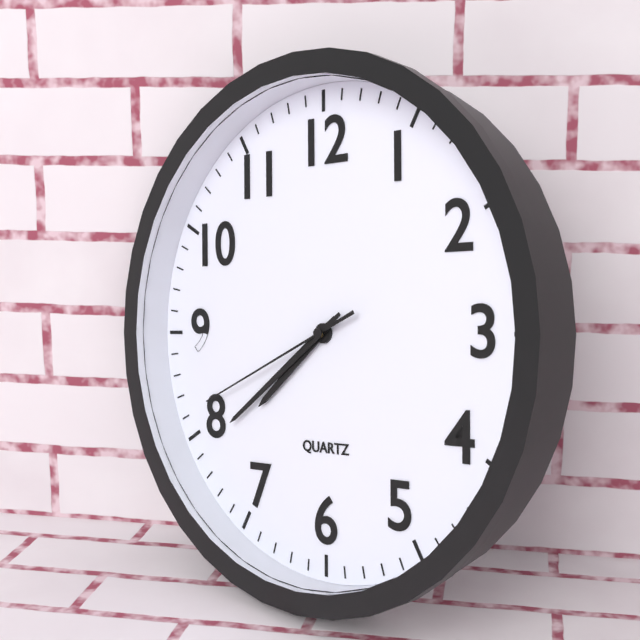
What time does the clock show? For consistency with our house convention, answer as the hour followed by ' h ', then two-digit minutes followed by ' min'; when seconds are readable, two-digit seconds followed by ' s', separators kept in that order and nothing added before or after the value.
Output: 7 h 39 min 41 s
